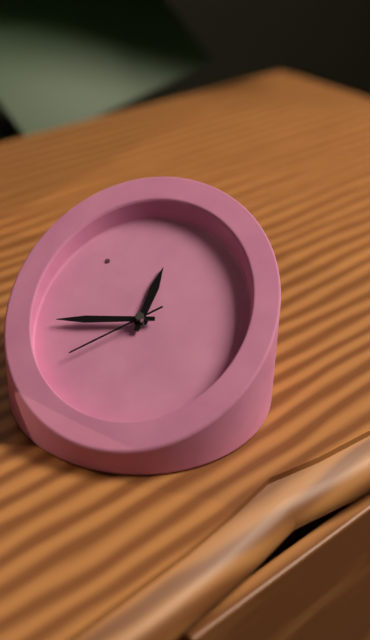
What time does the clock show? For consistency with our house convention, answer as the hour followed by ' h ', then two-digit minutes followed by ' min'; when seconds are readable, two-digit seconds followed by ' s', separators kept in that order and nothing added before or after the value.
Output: 2 h 57 min 52 s
